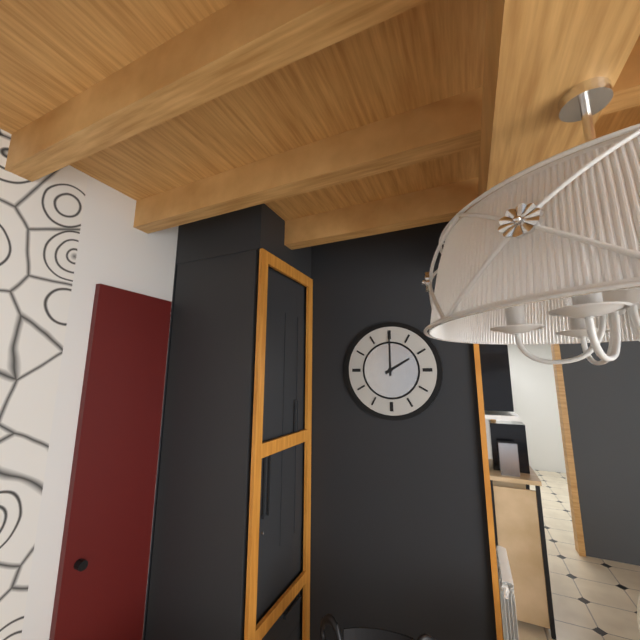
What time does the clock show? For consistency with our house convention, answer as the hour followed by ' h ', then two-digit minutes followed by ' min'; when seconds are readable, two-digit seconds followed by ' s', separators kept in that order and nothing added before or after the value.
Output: 2 h 00 min
